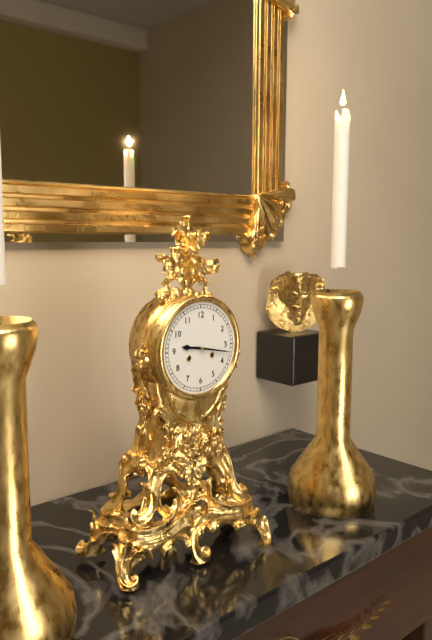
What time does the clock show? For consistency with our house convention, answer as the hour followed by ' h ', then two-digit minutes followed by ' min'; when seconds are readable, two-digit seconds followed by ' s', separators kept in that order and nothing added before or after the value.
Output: 9 h 17 min
